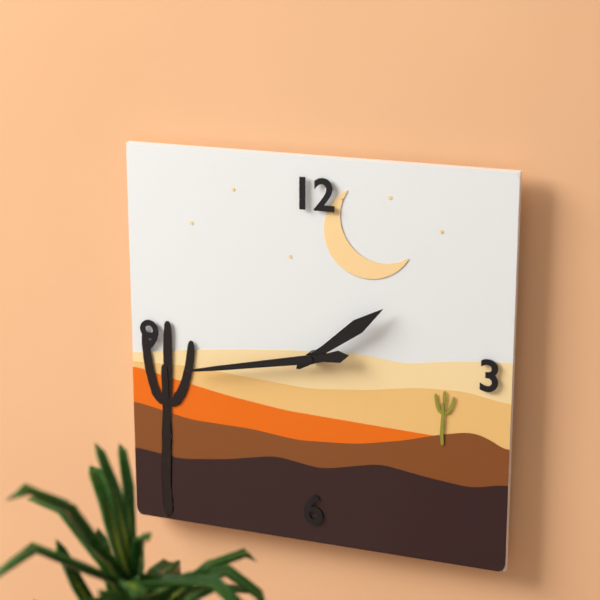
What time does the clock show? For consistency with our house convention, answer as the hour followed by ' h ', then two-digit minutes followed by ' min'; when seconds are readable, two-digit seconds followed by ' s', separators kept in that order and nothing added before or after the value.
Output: 1 h 43 min
